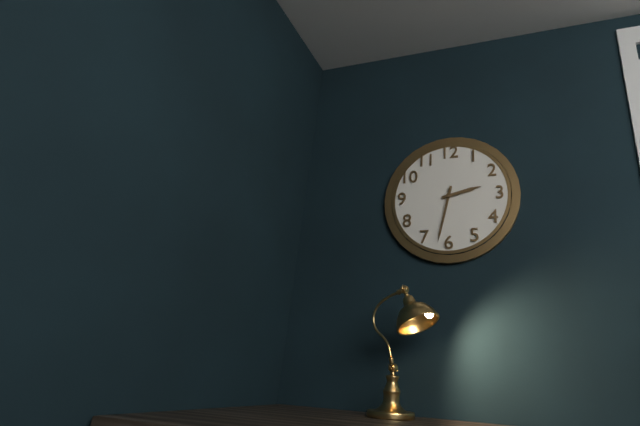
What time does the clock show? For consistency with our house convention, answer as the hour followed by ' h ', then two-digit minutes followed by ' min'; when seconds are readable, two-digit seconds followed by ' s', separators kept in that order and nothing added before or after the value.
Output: 2 h 32 min
